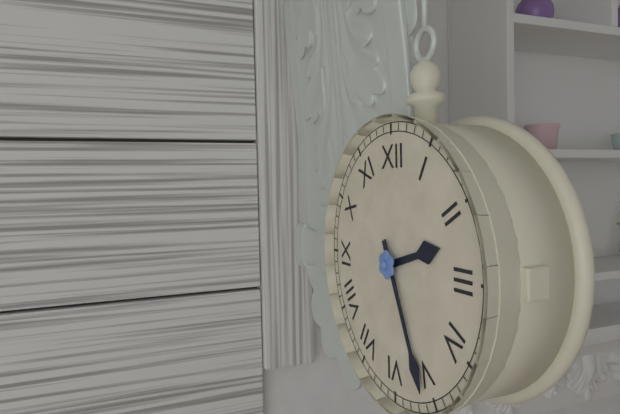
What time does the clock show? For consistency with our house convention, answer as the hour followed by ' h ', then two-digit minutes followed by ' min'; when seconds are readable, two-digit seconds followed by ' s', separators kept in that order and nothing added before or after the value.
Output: 2 h 26 min
